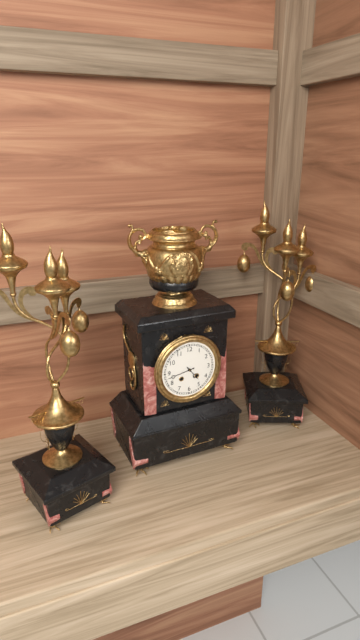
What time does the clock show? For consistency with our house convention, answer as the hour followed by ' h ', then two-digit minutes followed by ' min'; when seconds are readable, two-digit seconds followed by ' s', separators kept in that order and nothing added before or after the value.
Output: 4 h 43 min
